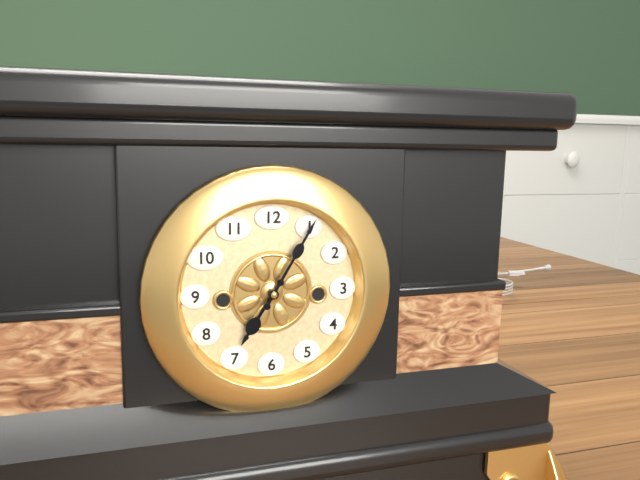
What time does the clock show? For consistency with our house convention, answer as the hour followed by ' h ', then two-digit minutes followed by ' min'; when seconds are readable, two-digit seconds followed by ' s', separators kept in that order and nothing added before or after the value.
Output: 7 h 05 min
